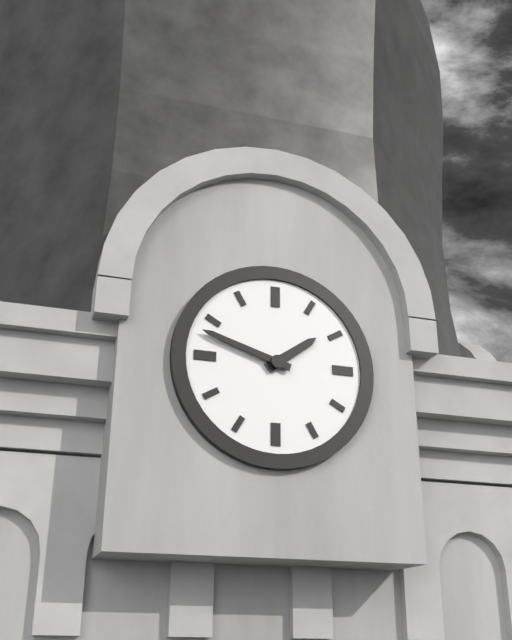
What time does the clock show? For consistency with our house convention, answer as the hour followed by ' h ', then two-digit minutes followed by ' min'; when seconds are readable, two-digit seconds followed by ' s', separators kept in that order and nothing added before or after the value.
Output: 1 h 48 min
